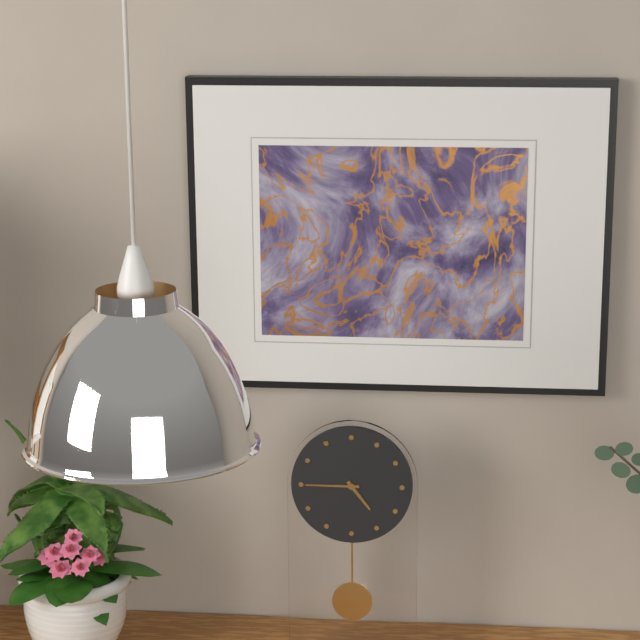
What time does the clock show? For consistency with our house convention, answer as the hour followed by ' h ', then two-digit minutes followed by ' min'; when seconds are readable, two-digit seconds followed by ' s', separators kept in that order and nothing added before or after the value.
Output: 4 h 45 min
